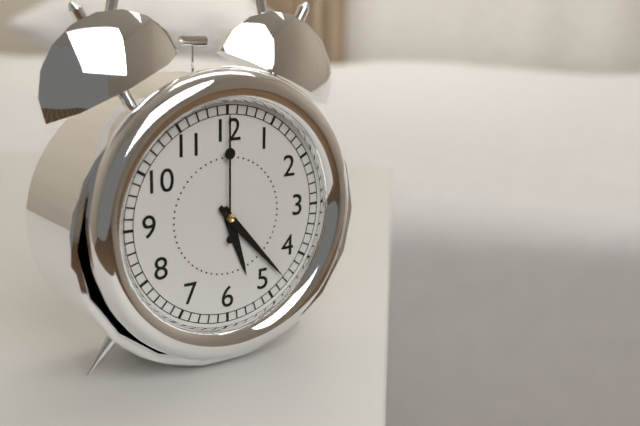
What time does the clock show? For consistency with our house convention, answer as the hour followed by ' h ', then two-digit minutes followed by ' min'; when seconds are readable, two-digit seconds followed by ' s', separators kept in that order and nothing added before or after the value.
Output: 5 h 23 min 00 s
